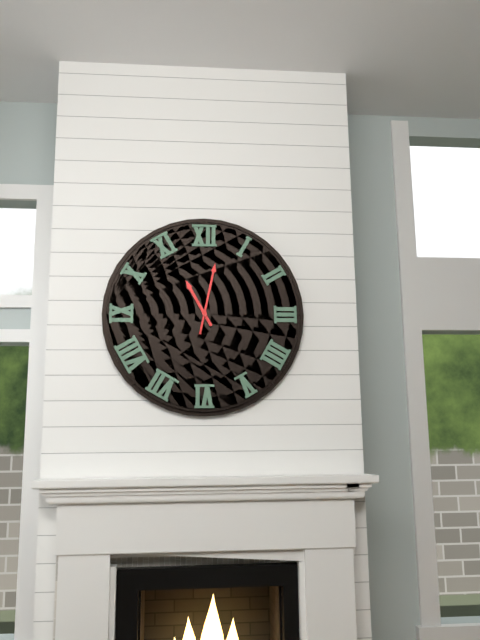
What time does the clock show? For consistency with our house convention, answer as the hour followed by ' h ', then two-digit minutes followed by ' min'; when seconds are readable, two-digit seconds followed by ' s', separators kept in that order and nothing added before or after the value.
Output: 11 h 02 min
